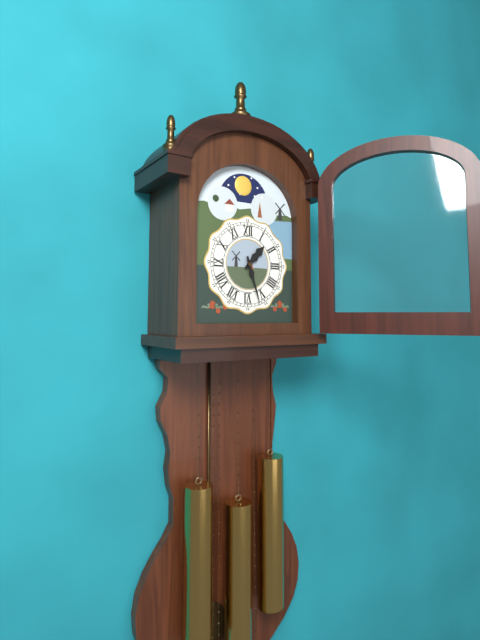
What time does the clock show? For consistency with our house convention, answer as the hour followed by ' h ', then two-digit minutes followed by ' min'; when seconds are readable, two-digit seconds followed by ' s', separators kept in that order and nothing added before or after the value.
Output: 1 h 27 min
